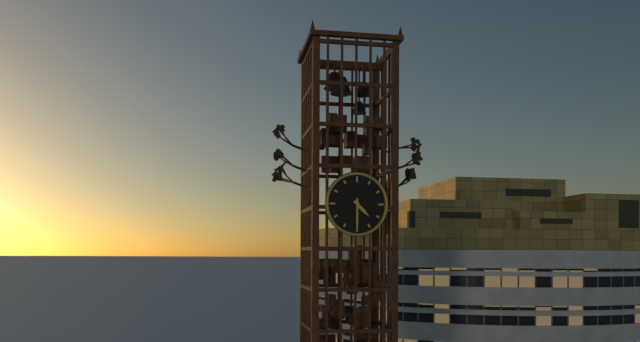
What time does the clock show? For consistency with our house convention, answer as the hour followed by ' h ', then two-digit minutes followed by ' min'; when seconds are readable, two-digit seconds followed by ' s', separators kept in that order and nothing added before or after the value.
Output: 4 h 30 min
